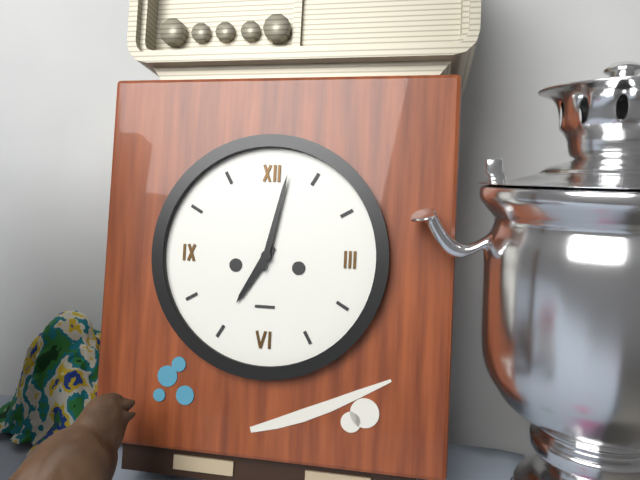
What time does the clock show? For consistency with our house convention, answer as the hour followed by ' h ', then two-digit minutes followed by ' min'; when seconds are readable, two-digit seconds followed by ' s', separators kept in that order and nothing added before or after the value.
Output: 7 h 02 min
